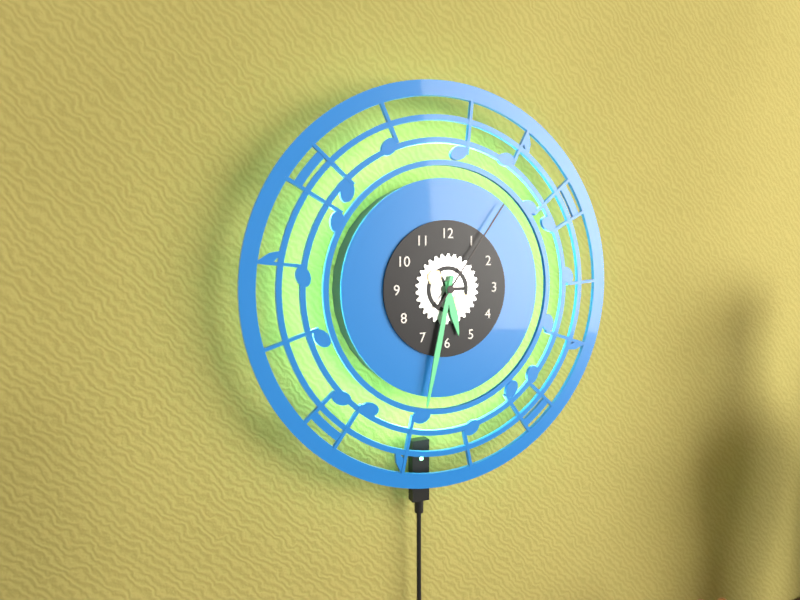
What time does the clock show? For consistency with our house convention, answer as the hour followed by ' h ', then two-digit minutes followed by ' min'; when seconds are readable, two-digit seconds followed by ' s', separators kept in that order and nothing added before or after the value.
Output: 5 h 32 min 06 s
